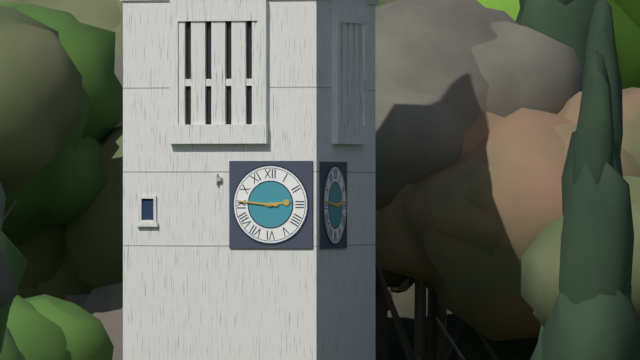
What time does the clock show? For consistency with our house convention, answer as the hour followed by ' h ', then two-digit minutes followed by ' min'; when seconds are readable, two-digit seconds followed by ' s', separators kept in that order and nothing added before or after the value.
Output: 2 h 46 min
